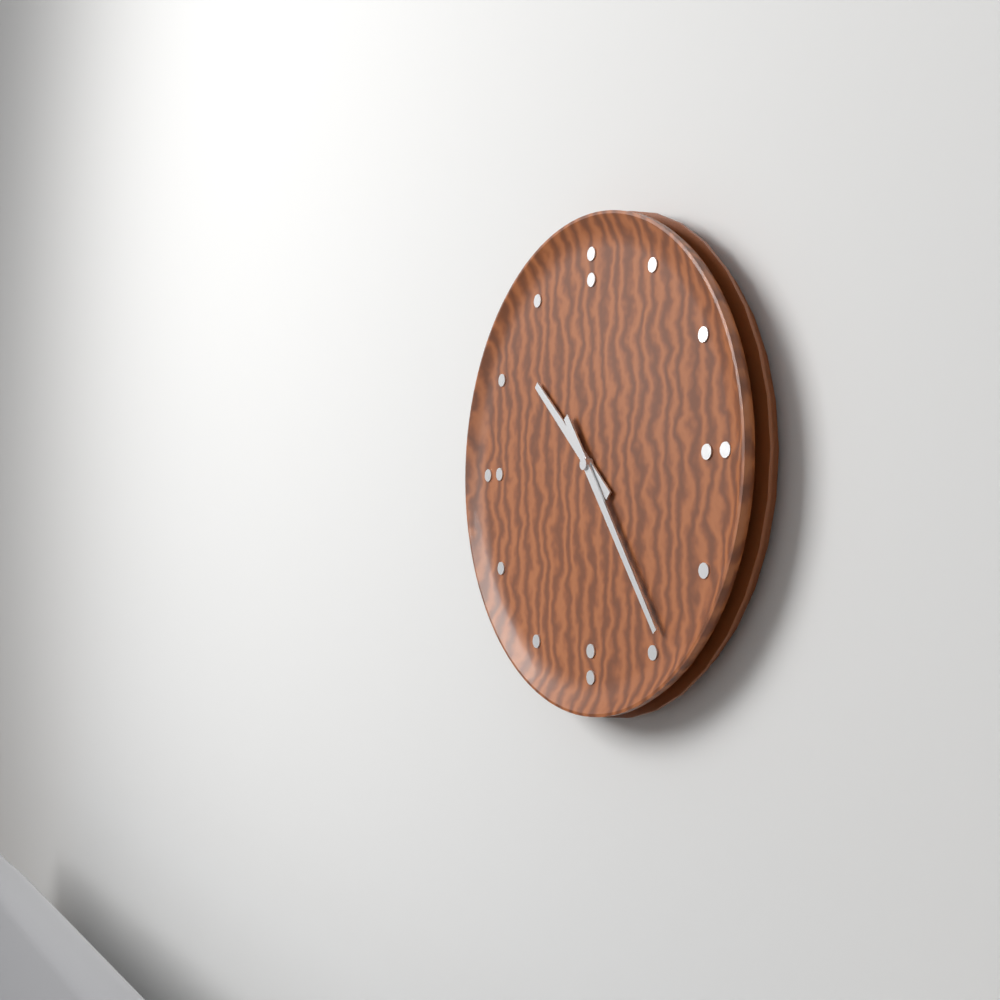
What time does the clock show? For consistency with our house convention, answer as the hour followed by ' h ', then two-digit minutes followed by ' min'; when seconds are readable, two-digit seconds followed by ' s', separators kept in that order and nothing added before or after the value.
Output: 10 h 24 min
